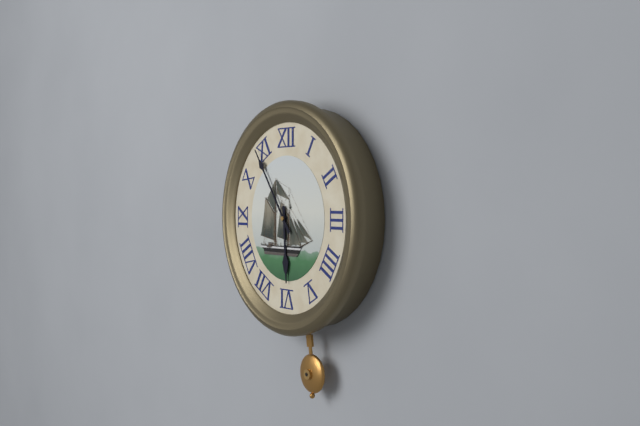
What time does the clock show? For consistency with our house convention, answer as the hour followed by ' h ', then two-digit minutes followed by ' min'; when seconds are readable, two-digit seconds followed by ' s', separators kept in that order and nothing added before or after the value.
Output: 5 h 54 min
